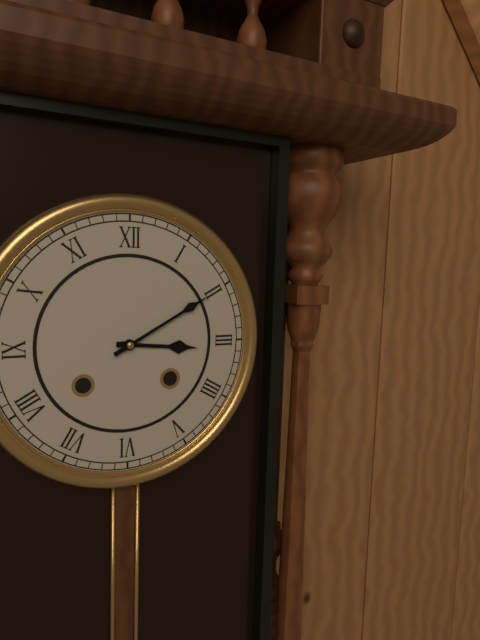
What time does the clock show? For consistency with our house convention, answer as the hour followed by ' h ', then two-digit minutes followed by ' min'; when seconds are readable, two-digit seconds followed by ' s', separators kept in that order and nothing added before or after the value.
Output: 3 h 10 min
